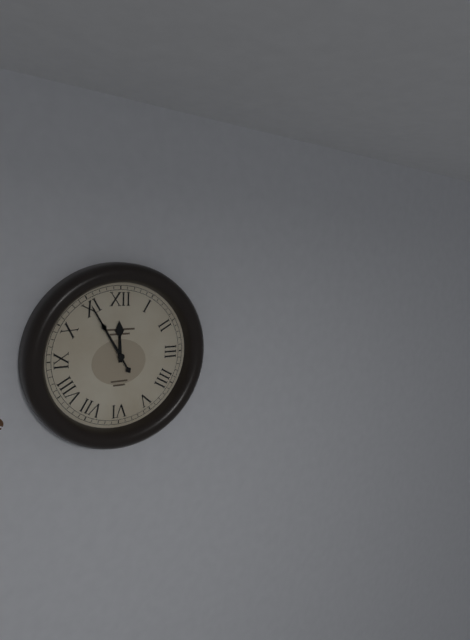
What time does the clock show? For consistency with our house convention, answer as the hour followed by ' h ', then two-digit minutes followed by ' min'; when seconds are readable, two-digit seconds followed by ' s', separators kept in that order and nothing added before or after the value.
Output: 11 h 55 min
